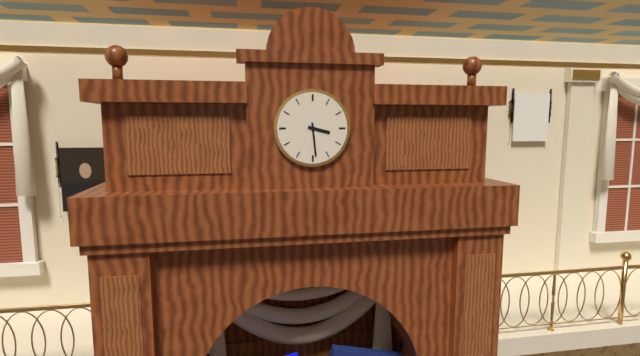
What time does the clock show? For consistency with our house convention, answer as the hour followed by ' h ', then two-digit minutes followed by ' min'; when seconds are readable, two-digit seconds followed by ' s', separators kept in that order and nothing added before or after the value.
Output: 3 h 29 min
